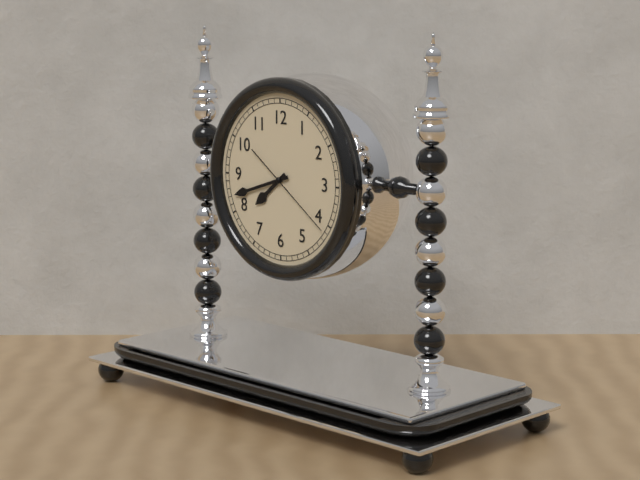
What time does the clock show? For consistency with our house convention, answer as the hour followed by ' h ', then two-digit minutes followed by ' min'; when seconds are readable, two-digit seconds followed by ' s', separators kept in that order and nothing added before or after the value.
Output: 7 h 42 min 21 s
